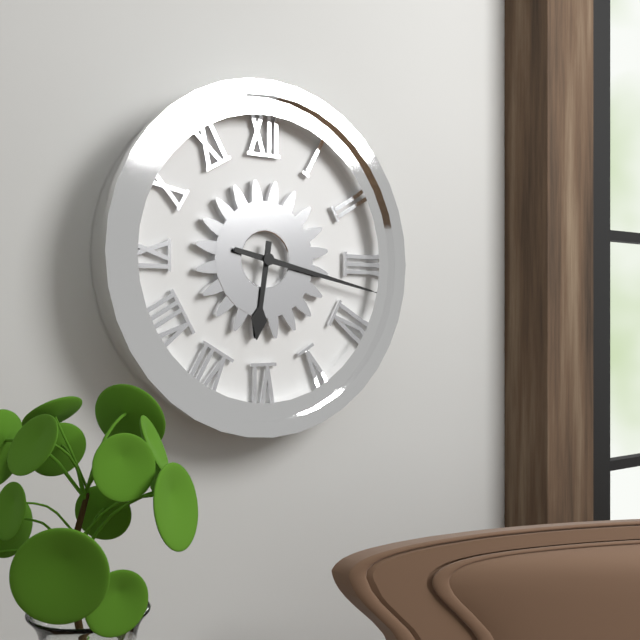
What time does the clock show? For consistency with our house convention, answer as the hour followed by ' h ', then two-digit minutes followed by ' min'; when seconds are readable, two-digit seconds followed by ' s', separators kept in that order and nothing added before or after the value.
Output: 6 h 17 min
